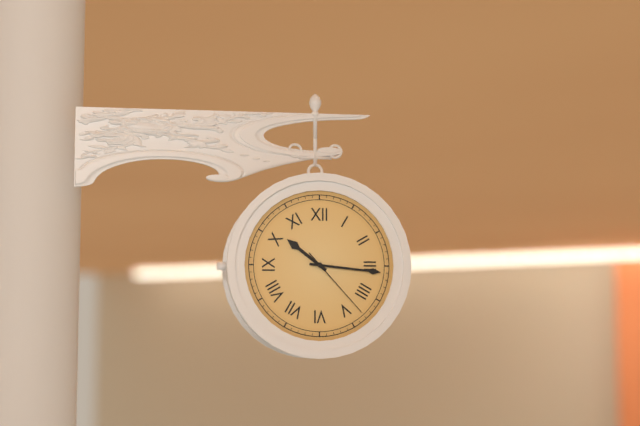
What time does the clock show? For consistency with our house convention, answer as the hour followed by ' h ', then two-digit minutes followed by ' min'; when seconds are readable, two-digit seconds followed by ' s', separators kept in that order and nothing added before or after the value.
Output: 10 h 16 min 23 s
